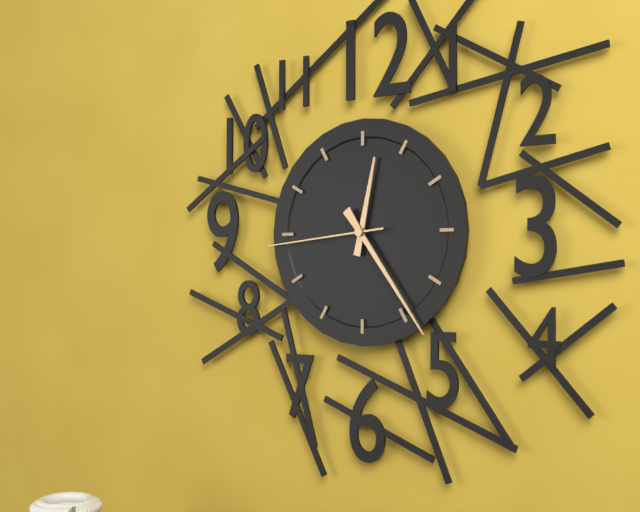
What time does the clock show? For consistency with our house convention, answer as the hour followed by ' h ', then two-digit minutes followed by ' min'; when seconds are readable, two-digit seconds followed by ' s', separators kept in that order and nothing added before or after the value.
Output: 12 h 24 min 44 s
